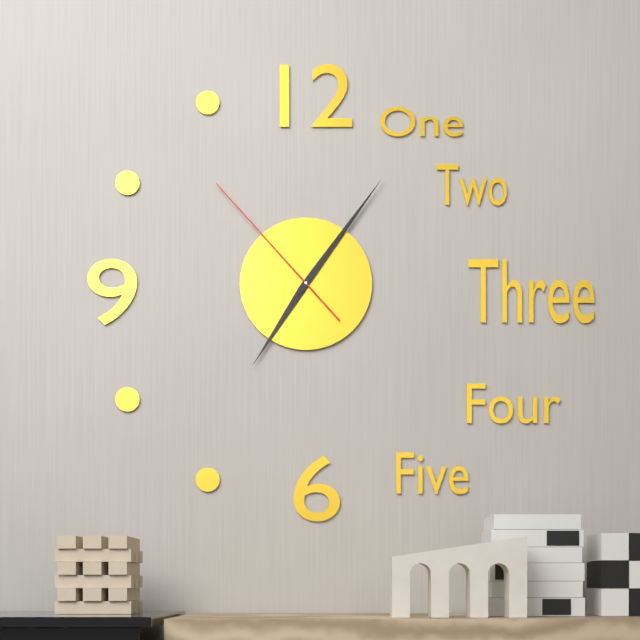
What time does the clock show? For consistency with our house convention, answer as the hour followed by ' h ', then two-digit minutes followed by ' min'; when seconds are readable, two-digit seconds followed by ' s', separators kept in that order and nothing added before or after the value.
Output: 7 h 06 min 53 s
